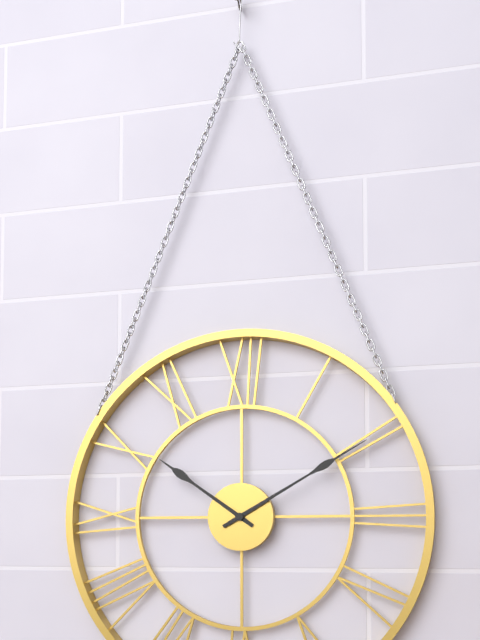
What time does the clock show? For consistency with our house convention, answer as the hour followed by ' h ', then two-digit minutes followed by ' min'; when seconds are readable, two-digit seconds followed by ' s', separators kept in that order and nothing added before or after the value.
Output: 10 h 10 min
